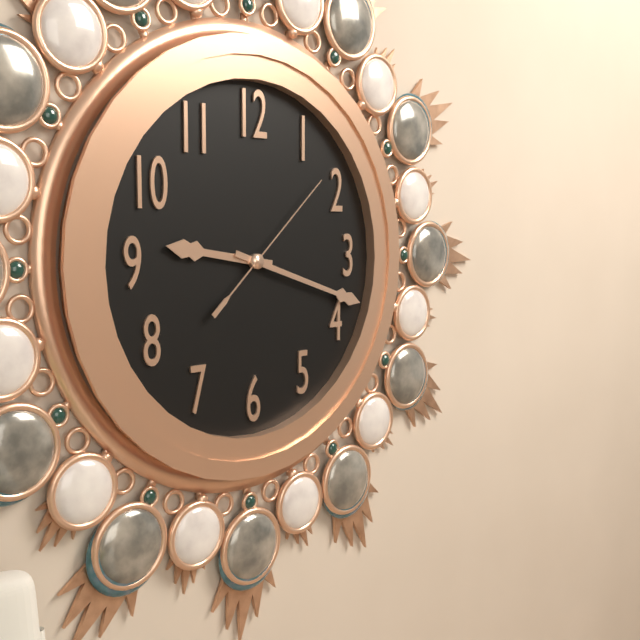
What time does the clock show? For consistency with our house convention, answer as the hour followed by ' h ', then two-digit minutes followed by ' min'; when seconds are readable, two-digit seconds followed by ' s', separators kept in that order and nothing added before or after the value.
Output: 9 h 18 min 08 s
